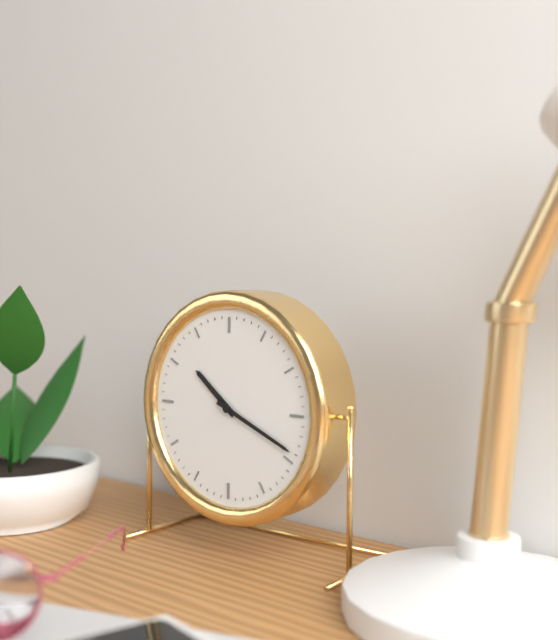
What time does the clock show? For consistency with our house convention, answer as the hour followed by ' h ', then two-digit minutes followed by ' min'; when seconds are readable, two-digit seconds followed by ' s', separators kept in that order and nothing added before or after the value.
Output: 10 h 19 min
